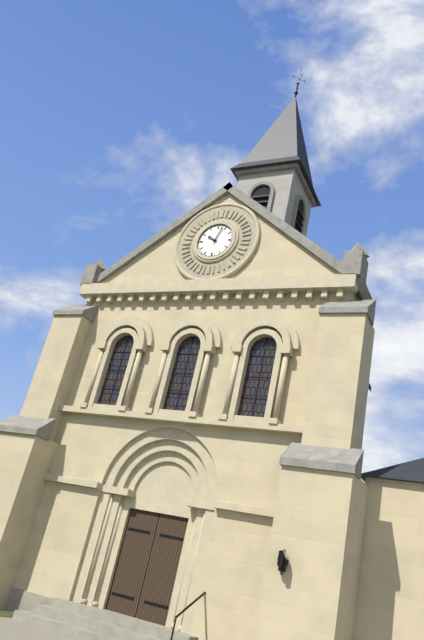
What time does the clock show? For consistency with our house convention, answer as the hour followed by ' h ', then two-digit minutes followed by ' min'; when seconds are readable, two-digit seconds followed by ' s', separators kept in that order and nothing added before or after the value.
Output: 10 h 03 min
